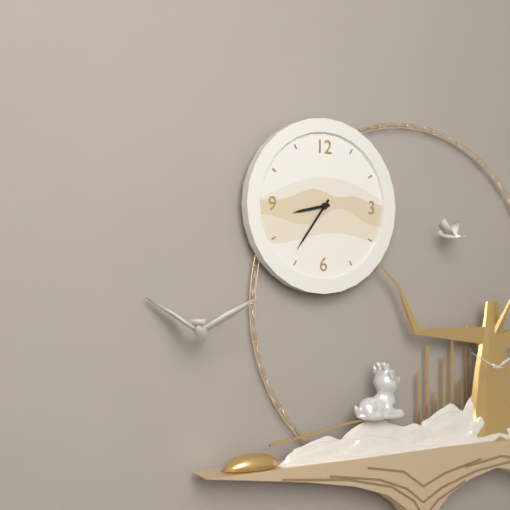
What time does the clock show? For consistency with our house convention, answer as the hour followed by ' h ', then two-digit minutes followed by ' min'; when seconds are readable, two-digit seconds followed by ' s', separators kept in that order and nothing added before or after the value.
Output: 8 h 36 min
